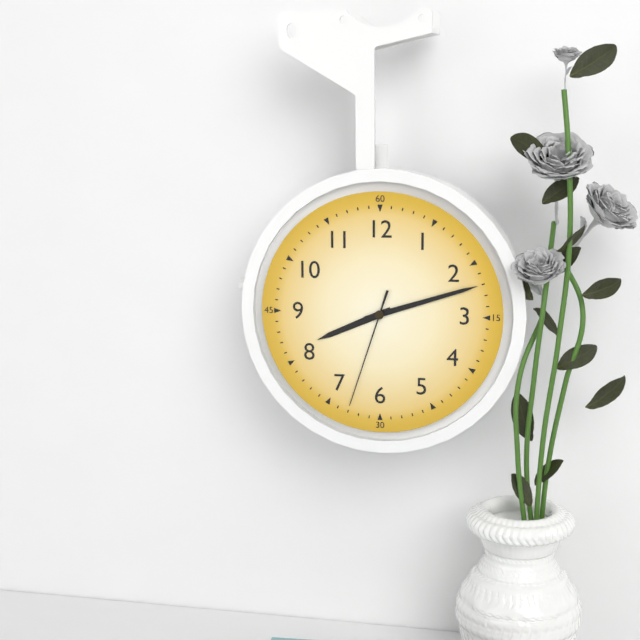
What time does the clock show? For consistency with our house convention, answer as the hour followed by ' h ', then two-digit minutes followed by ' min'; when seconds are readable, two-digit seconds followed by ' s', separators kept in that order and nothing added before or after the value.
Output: 8 h 12 min 33 s
